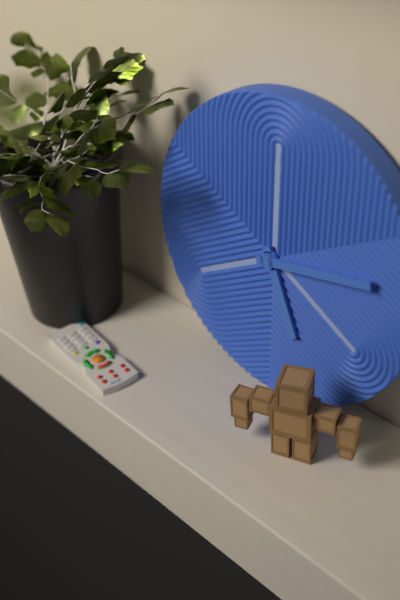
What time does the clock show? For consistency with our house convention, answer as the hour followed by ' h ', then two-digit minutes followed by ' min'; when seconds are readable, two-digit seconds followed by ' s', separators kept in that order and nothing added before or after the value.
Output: 5 h 13 min
